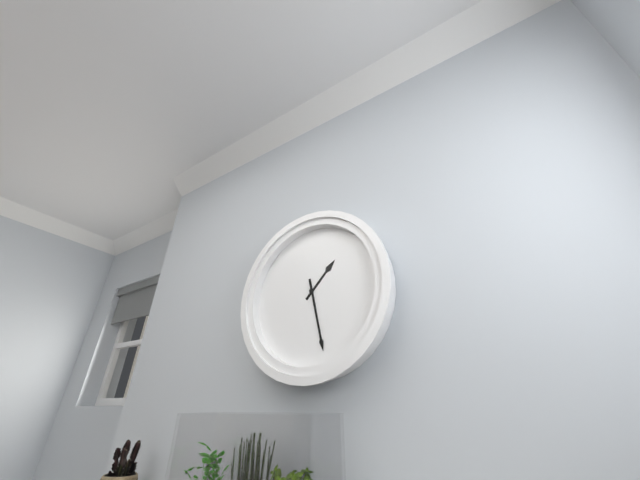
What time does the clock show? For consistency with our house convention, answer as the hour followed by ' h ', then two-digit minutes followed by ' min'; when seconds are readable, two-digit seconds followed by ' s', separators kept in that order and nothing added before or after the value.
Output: 1 h 28 min
